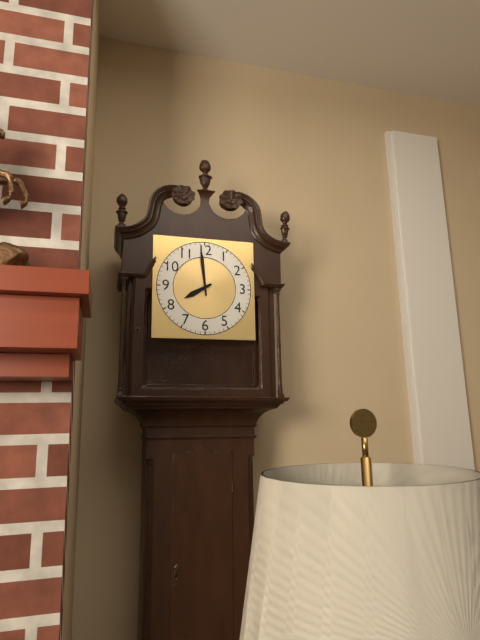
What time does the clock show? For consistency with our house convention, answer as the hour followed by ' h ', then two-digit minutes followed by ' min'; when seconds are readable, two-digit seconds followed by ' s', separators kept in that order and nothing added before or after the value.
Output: 7 h 59 min
